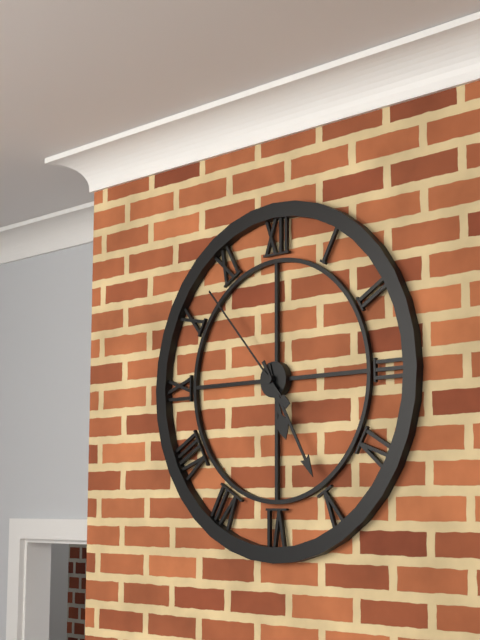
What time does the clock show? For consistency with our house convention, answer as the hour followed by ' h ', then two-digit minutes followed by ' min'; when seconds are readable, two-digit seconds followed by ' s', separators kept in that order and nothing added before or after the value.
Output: 5 h 25 min 53 s
